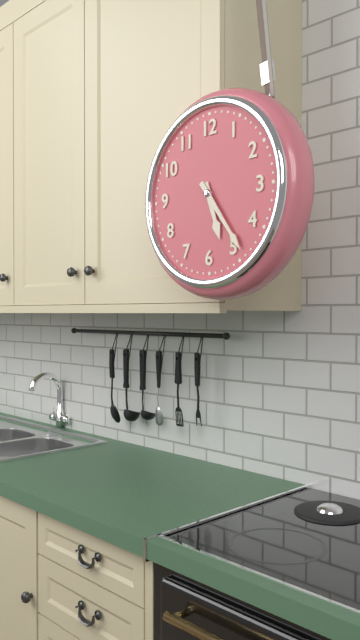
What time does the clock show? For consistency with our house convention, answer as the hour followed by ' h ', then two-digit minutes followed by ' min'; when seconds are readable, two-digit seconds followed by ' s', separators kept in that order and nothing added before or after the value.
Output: 5 h 24 min
